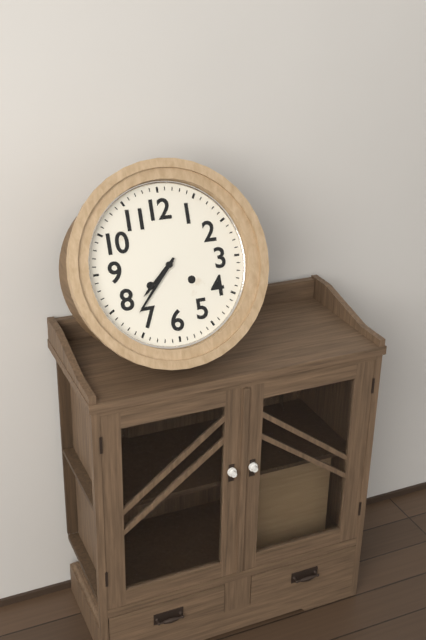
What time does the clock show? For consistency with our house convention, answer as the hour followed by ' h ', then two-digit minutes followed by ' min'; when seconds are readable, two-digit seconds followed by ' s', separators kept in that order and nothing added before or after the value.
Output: 7 h 37 min
